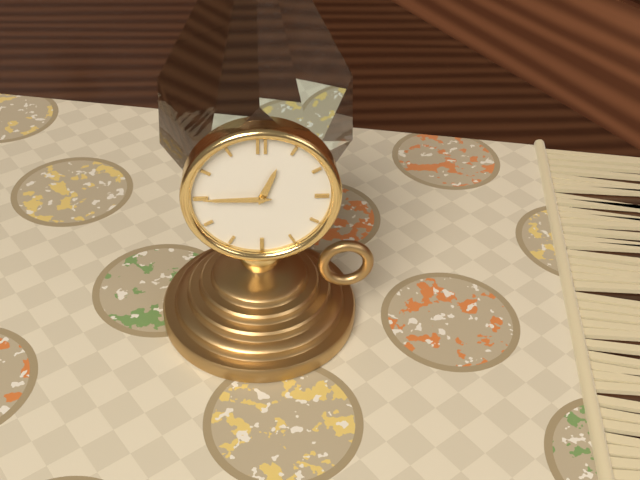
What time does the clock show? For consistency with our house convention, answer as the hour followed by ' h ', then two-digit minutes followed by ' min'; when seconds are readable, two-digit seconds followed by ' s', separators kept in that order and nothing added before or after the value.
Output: 12 h 45 min
